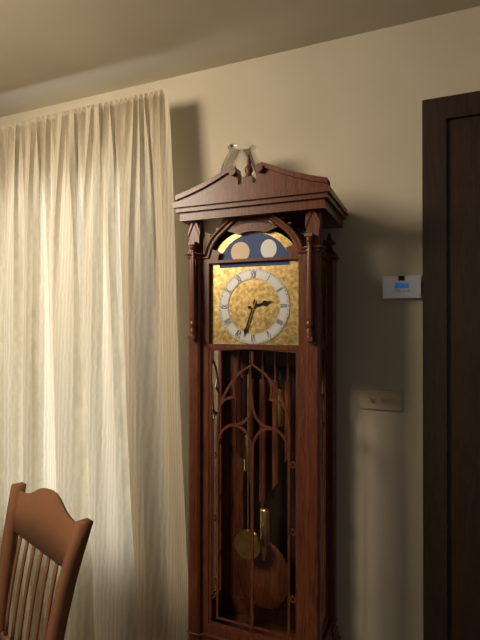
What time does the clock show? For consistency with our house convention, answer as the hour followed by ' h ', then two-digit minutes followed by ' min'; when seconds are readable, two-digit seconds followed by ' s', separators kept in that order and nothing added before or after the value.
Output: 2 h 33 min
